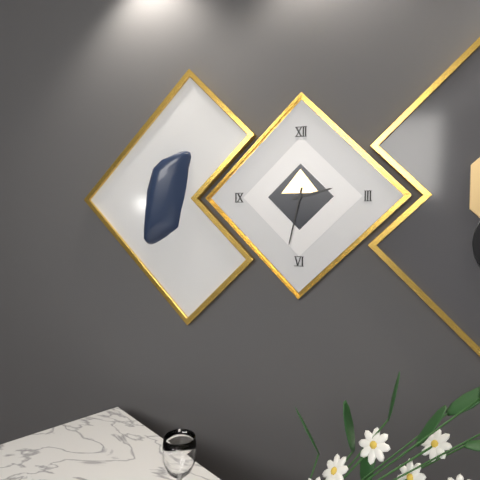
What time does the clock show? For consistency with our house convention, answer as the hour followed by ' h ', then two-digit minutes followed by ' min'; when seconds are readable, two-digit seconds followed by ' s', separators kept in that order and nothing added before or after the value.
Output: 2 h 32 min
